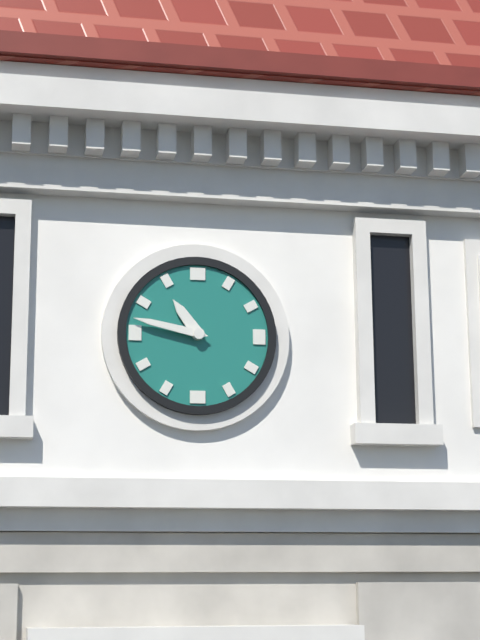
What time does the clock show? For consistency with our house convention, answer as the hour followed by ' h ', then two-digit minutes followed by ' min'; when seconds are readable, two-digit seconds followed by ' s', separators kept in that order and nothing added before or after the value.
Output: 10 h 47 min
